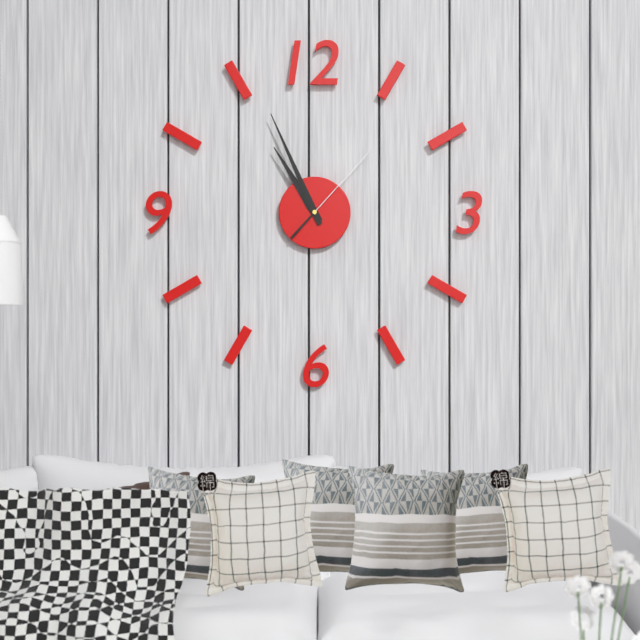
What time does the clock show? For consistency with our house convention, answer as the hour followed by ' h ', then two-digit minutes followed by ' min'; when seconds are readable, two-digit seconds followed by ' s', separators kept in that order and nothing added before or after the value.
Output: 10 h 56 min 07 s
